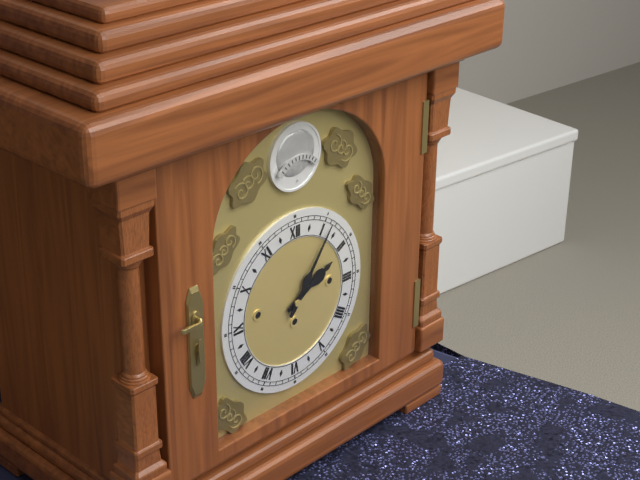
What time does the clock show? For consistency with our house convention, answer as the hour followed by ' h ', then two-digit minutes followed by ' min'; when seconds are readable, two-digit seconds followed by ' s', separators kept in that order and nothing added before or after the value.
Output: 2 h 06 min
